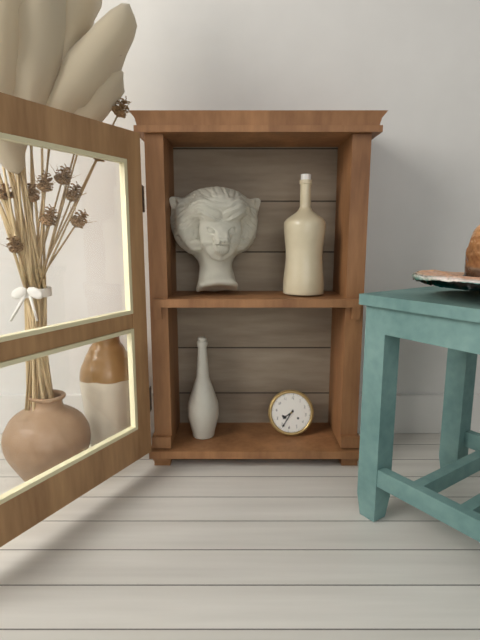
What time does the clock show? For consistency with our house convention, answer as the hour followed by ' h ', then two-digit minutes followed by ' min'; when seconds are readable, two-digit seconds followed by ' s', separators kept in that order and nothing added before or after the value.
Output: 7 h 34 min
